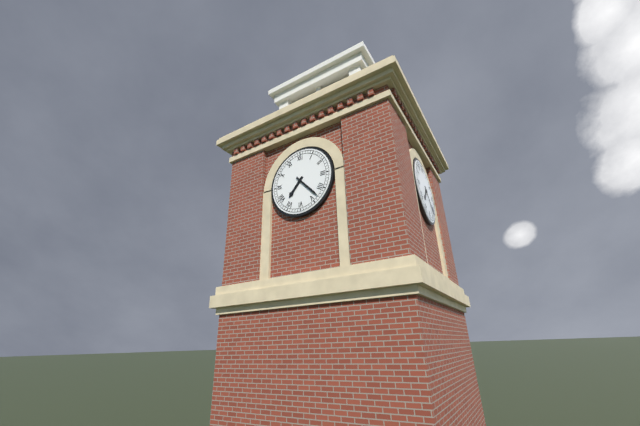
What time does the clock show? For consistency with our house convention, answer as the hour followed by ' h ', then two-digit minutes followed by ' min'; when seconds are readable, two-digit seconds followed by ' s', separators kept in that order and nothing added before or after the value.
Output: 7 h 23 min
